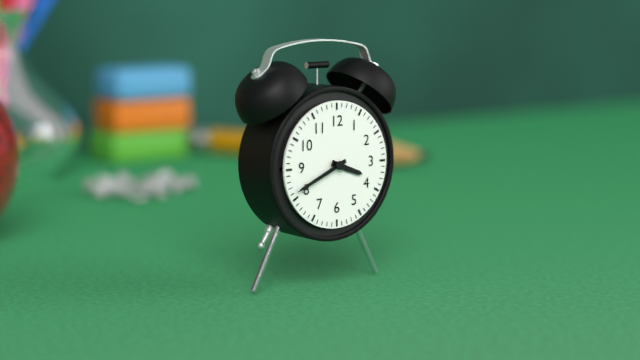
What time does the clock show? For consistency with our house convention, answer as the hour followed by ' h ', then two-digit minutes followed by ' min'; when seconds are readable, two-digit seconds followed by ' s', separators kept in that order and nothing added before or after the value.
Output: 3 h 41 min
